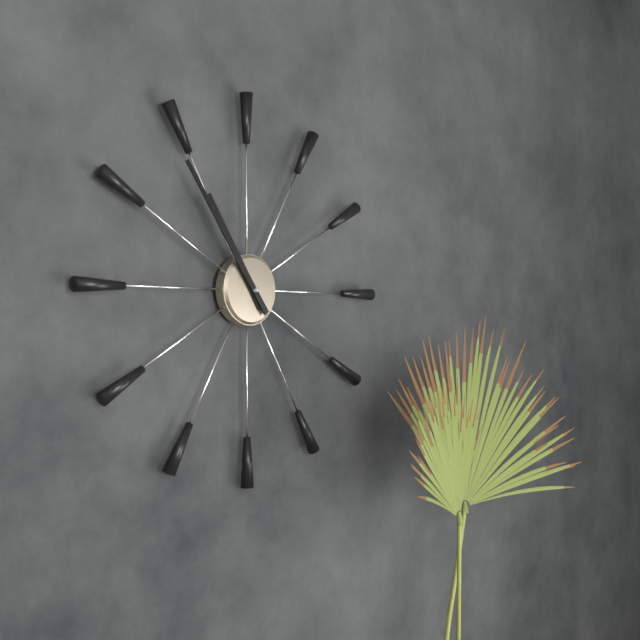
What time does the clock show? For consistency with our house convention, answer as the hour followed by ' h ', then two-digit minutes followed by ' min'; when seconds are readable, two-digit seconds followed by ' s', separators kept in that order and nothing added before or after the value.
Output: 10 h 54 min
